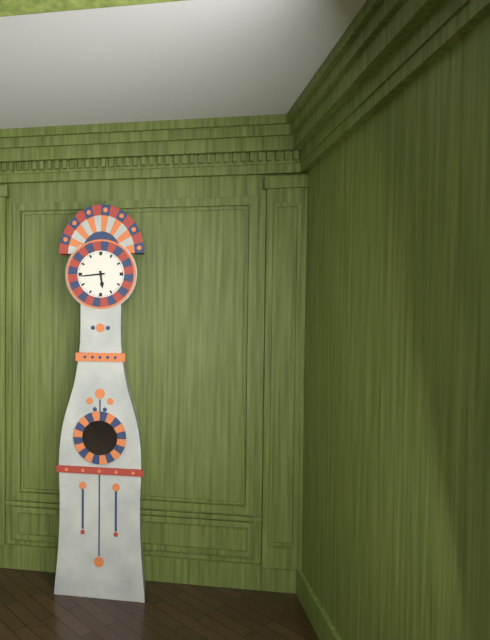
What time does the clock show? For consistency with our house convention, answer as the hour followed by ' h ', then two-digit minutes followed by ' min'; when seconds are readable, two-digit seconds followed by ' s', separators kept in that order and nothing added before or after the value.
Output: 5 h 44 min
